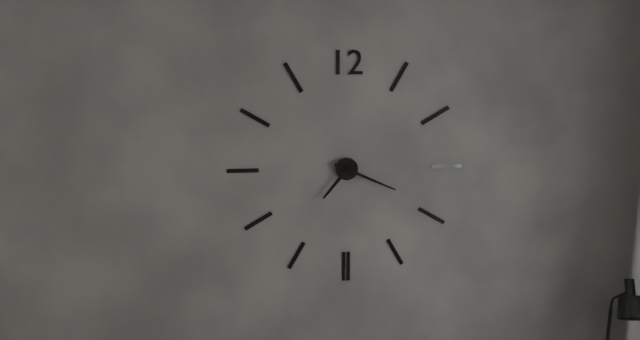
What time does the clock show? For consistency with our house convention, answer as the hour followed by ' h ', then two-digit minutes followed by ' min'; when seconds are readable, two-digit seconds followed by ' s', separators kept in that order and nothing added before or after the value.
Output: 7 h 19 min
